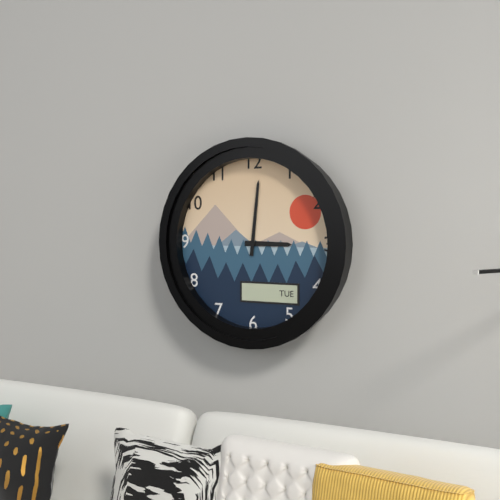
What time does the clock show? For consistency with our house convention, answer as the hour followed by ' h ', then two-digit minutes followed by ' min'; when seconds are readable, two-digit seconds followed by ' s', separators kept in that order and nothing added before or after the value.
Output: 3 h 01 min
